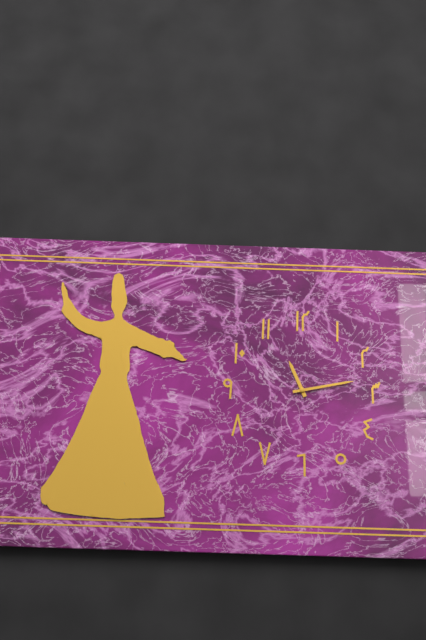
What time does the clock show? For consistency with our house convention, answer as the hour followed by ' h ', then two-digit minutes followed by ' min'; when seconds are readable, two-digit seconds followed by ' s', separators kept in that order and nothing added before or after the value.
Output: 11 h 13 min
